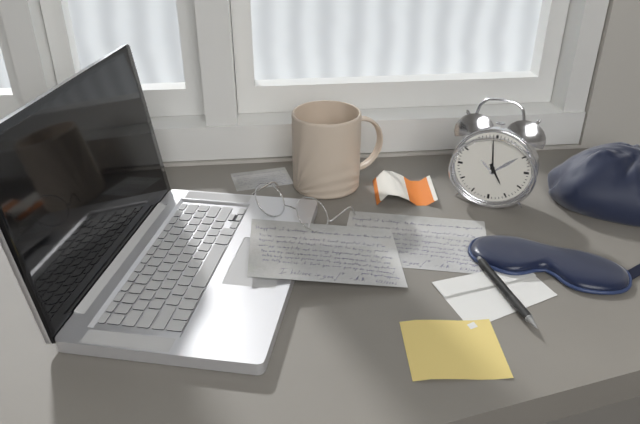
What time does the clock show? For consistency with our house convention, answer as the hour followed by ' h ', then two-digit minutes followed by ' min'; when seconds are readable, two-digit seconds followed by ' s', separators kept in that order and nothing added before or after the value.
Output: 4 h 59 min
